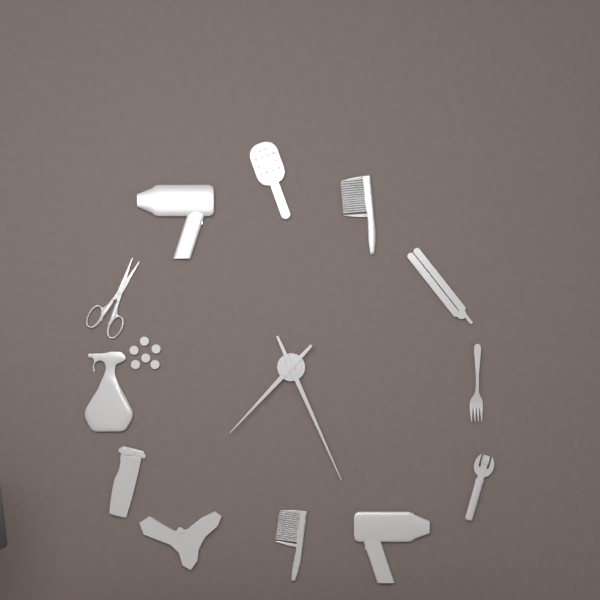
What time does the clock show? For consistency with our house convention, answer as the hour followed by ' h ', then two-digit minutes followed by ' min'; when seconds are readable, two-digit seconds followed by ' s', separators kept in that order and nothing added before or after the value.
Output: 7 h 26 min
